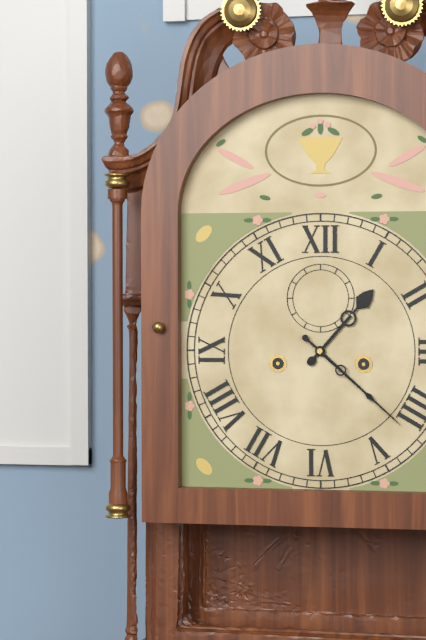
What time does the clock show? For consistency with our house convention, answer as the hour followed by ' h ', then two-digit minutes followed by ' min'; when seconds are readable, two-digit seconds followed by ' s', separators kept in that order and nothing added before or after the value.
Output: 1 h 22 min
